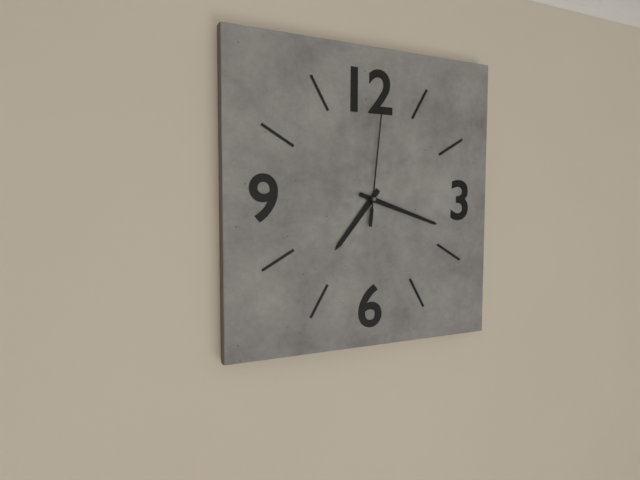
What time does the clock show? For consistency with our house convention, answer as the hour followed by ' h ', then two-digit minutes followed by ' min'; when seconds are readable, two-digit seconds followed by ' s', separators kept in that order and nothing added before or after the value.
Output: 7 h 18 min 01 s
